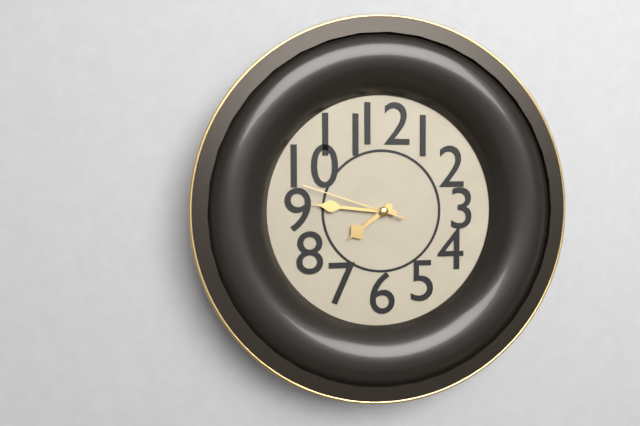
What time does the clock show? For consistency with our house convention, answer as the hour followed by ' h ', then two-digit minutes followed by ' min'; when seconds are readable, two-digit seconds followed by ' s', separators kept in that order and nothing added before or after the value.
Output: 7 h 46 min 48 s
